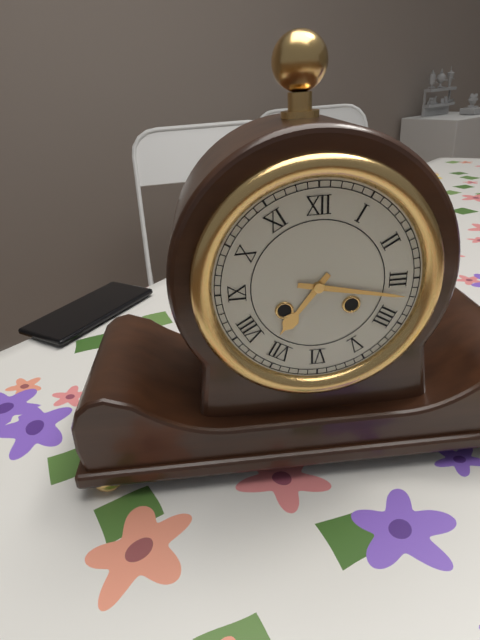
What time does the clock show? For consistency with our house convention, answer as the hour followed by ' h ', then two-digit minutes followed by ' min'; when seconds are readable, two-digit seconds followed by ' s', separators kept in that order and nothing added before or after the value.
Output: 7 h 17 min
